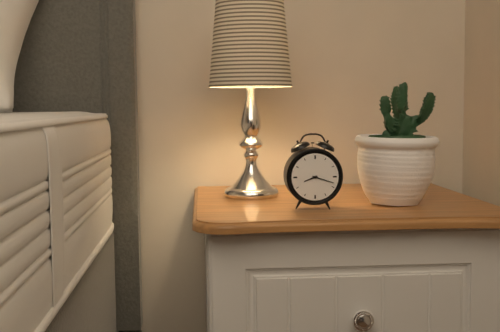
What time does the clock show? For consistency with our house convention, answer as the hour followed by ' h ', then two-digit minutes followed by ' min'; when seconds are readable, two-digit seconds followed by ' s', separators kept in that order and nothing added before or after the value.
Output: 8 h 18 min
